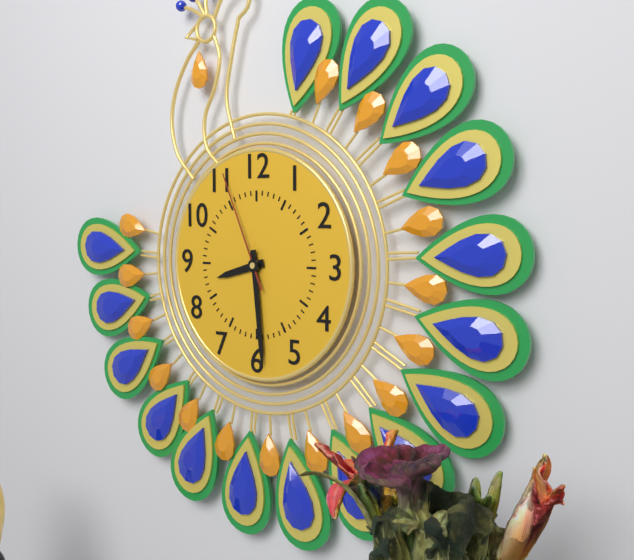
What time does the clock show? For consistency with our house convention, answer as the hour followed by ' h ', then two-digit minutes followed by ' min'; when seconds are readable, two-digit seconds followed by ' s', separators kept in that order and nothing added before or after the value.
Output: 8 h 29 min 56 s
